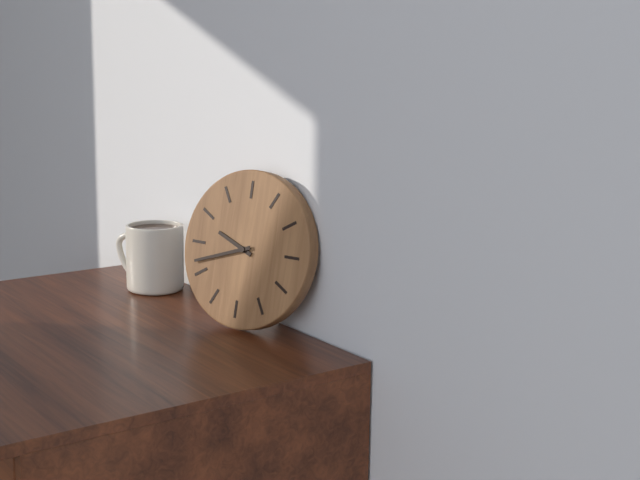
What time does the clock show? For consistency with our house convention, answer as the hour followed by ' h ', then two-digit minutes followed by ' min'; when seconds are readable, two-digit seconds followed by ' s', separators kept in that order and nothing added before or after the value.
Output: 9 h 42 min
